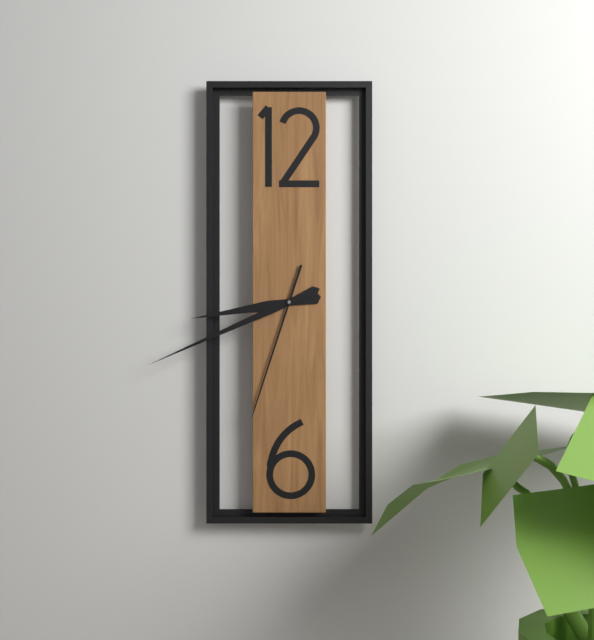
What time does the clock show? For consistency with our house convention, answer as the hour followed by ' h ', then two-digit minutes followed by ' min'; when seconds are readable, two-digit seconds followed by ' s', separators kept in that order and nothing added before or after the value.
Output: 8 h 41 min 33 s
